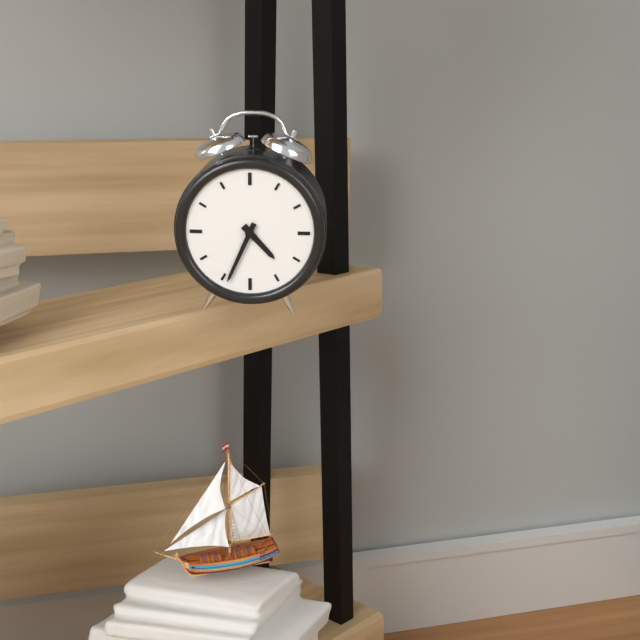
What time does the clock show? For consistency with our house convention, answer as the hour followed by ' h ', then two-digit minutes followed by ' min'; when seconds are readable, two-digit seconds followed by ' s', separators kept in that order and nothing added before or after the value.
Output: 4 h 34 min
